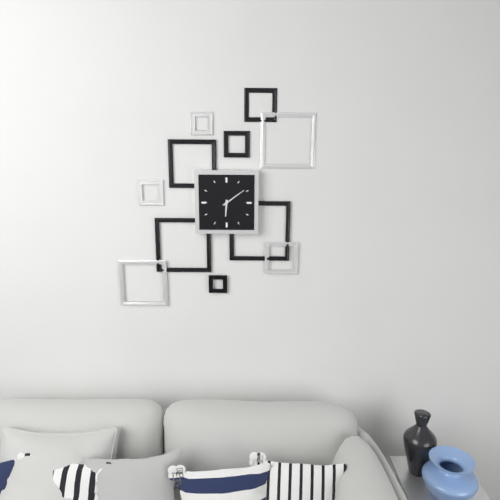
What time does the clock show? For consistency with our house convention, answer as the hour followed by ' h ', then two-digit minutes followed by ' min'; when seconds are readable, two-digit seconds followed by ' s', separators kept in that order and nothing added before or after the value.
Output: 6 h 09 min
